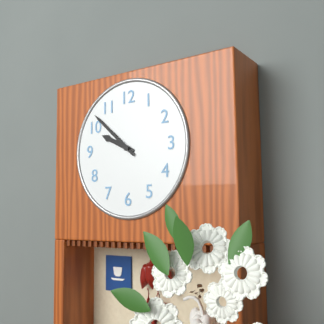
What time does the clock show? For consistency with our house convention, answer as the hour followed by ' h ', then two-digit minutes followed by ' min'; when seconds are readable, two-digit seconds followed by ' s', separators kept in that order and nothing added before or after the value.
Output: 9 h 52 min
